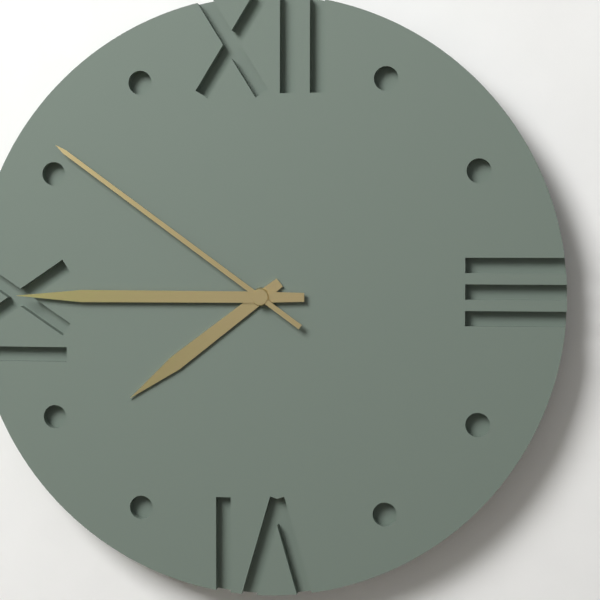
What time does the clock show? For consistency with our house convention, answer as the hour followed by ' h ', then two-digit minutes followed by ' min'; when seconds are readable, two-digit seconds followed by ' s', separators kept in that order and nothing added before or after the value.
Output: 7 h 45 min 51 s
